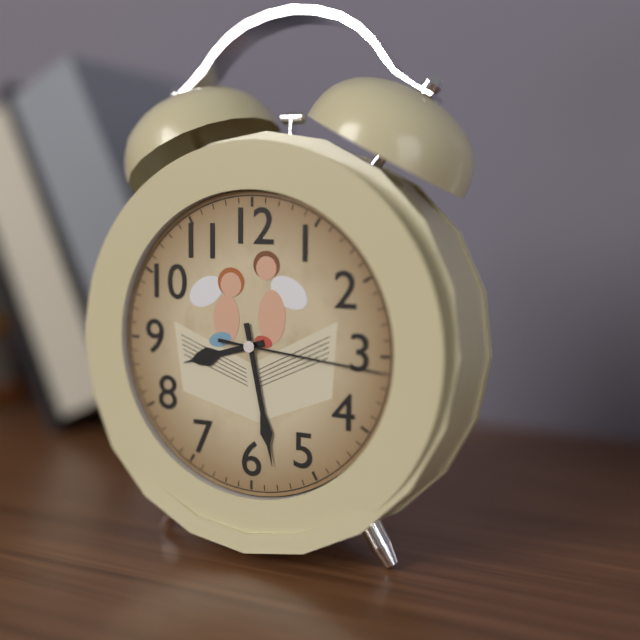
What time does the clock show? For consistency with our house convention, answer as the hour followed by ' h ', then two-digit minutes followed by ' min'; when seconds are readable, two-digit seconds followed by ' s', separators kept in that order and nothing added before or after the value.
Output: 8 h 28 min 16 s
